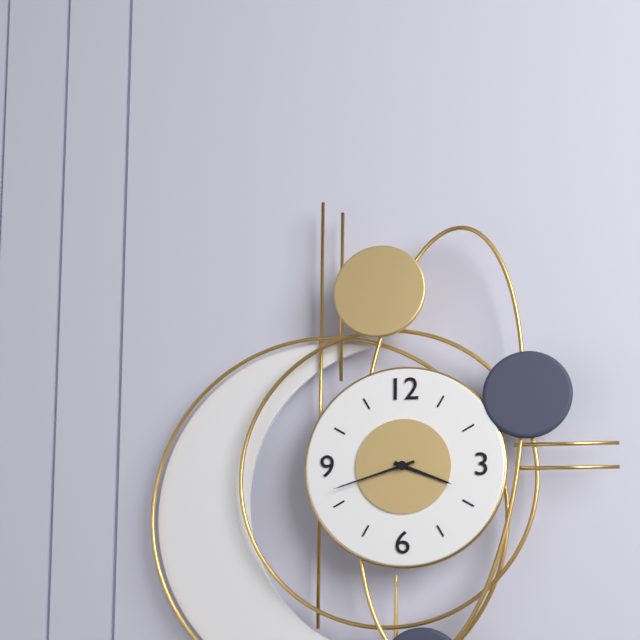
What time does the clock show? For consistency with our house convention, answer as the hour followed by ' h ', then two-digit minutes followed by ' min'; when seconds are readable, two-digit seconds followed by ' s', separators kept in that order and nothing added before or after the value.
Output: 3 h 42 min
